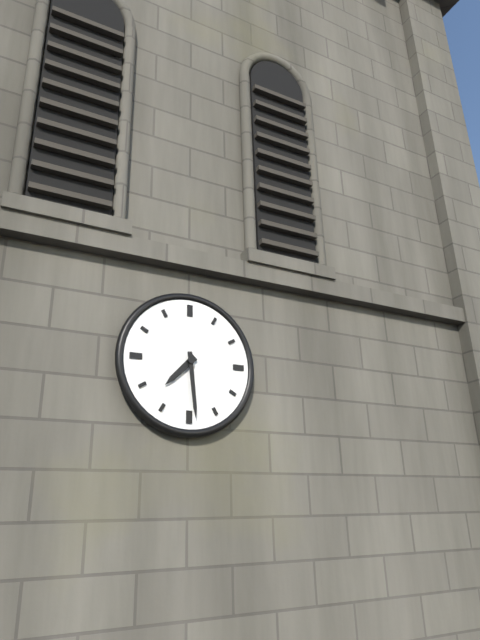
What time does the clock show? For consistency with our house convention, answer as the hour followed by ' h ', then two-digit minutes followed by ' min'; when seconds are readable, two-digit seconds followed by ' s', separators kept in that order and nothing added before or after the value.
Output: 7 h 29 min
